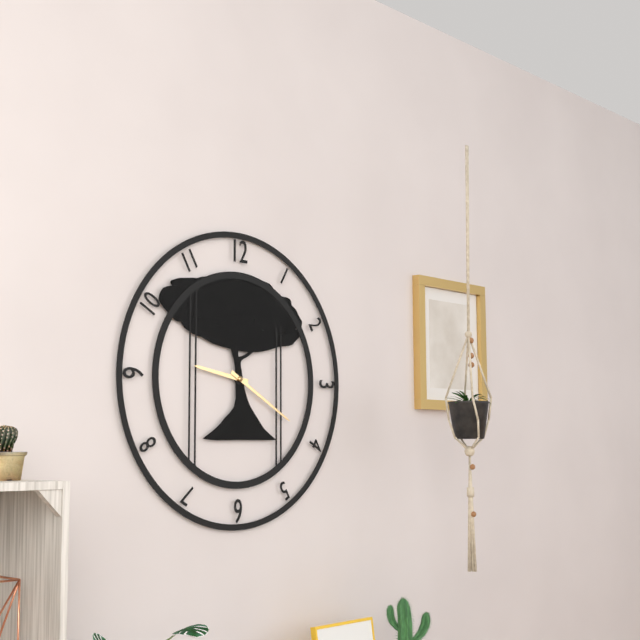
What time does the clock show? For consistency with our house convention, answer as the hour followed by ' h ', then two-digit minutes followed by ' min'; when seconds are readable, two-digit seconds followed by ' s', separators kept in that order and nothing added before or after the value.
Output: 9 h 20 min
